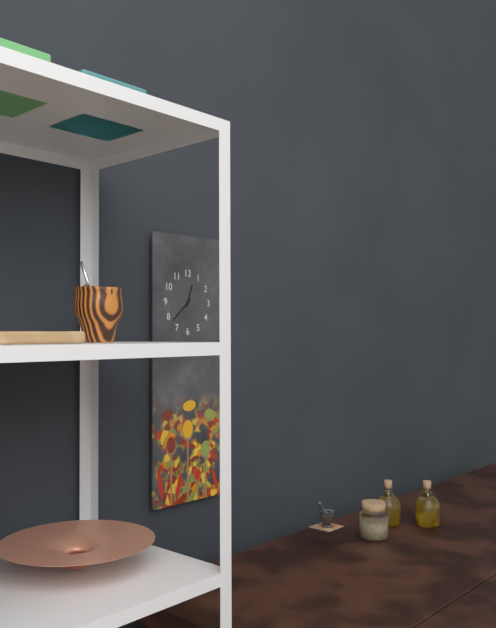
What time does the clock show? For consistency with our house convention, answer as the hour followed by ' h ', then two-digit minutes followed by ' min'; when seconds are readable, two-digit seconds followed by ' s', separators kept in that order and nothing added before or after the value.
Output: 12 h 38 min
